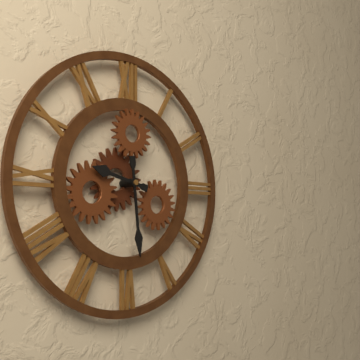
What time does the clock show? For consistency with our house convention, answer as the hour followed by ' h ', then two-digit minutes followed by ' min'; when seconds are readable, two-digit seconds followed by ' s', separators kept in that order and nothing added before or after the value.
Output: 9 h 29 min
